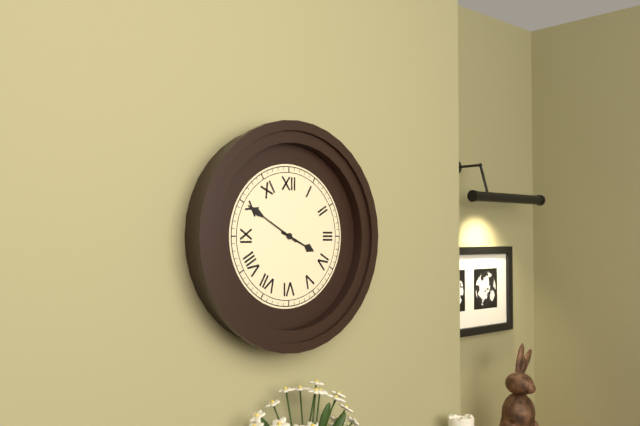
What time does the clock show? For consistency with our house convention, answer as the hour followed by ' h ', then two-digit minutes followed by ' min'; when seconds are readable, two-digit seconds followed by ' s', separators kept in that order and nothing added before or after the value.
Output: 3 h 50 min
